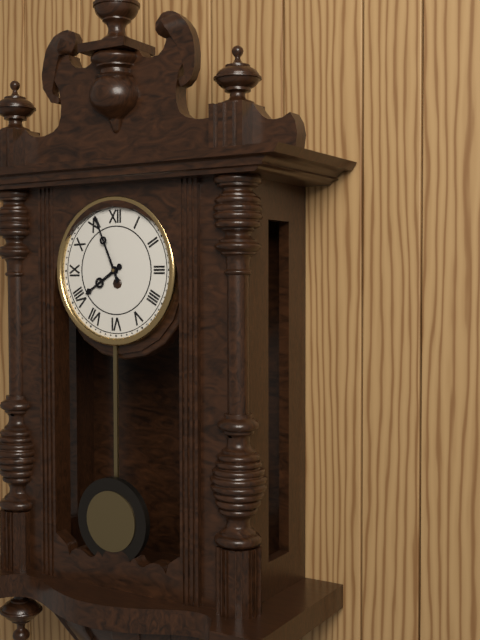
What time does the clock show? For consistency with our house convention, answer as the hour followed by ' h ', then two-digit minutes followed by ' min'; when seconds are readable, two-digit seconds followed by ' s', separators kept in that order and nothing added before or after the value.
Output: 7 h 56 min
